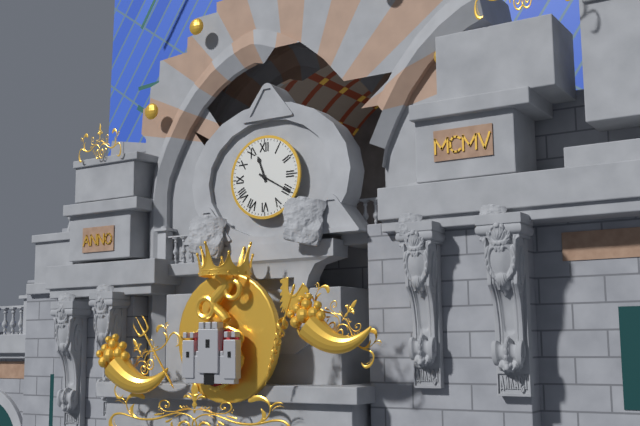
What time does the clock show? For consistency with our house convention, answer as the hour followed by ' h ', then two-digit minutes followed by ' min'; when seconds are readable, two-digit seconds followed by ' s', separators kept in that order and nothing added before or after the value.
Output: 11 h 20 min
